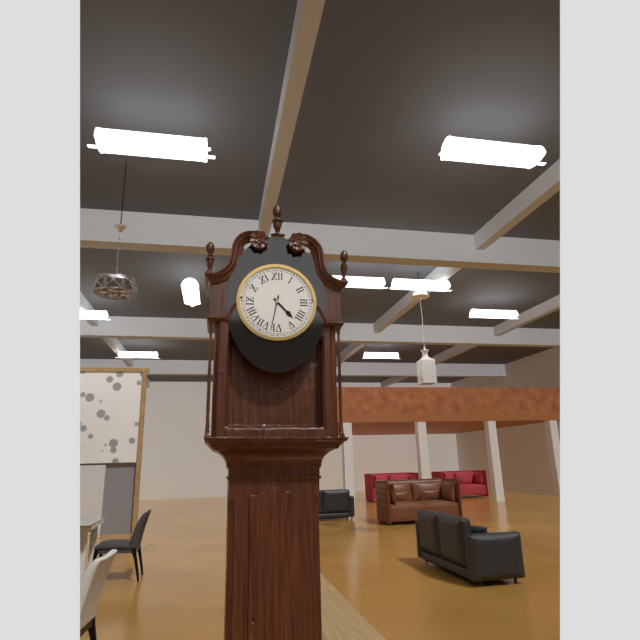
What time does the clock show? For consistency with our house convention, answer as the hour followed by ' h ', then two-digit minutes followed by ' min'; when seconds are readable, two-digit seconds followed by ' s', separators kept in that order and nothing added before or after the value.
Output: 4 h 32 min
